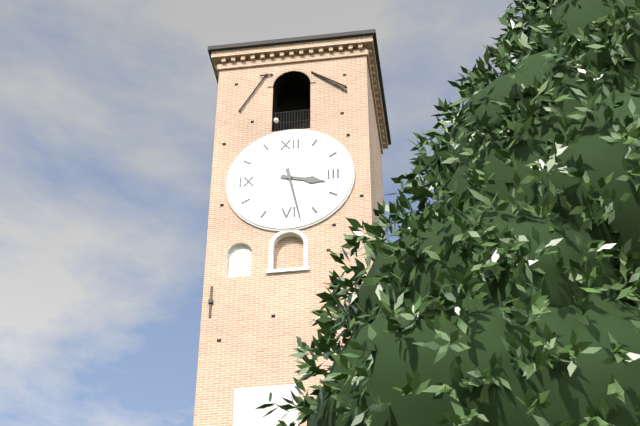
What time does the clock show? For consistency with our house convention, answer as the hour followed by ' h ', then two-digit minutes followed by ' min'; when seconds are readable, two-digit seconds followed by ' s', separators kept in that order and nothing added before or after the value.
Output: 3 h 28 min
